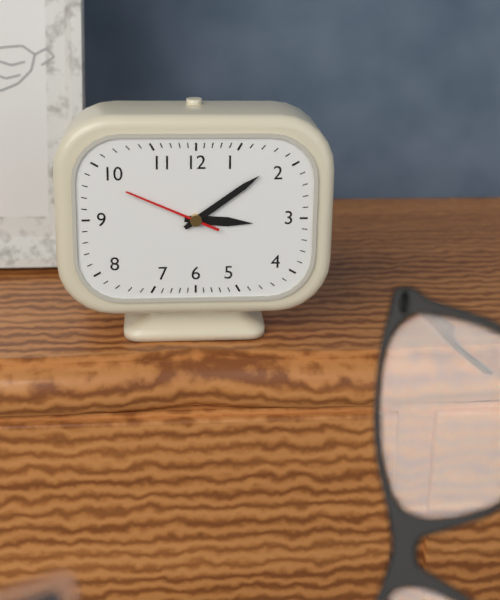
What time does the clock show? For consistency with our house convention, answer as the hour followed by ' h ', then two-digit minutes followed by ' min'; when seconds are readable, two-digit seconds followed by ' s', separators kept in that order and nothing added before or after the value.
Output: 3 h 09 min 49 s
